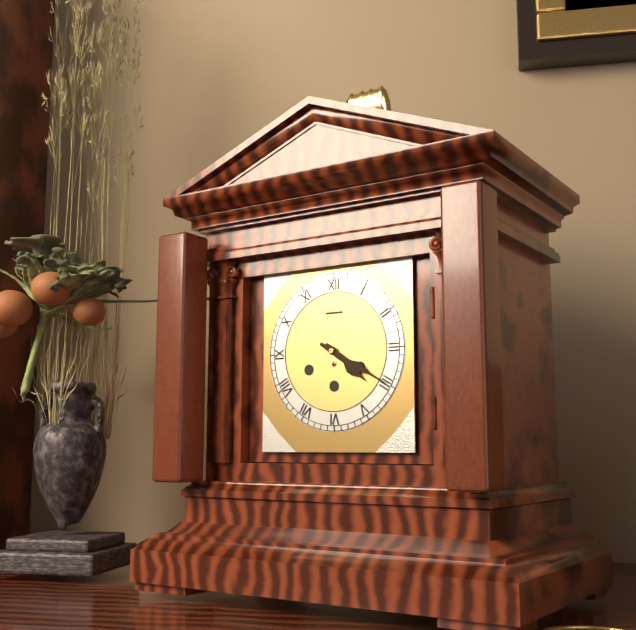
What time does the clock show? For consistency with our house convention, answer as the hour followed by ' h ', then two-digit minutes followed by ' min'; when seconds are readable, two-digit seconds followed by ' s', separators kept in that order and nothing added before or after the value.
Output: 4 h 20 min
